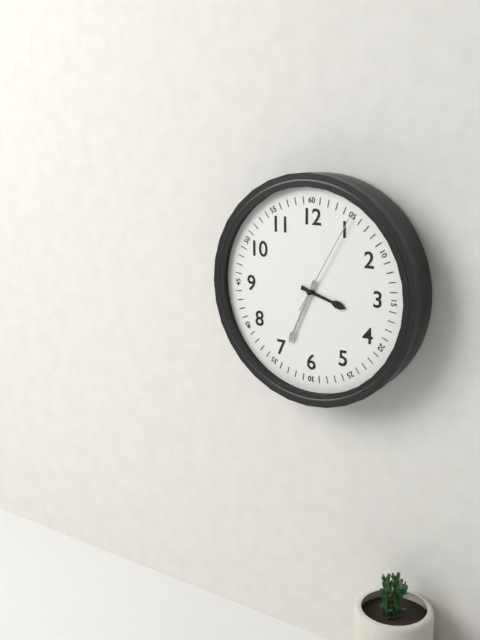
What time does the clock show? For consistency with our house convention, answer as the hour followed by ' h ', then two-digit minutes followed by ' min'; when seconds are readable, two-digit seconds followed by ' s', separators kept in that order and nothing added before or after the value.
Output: 3 h 34 min 05 s
